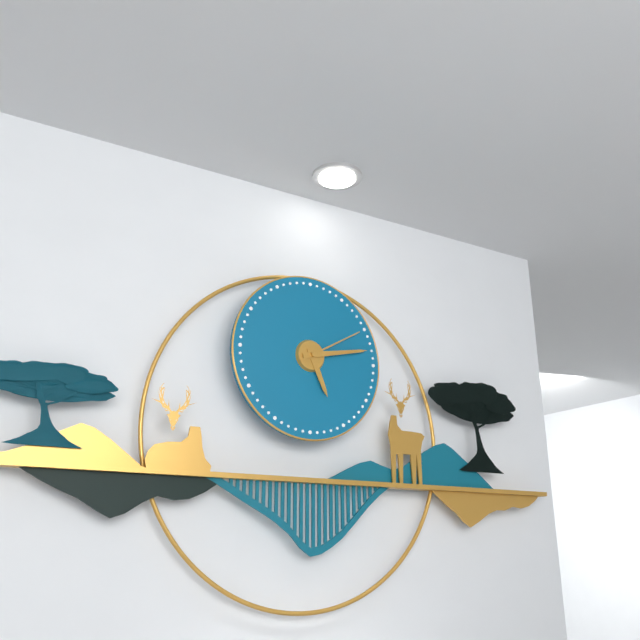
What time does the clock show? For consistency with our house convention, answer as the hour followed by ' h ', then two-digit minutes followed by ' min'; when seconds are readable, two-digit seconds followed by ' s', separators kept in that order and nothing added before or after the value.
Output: 5 h 13 min 10 s
